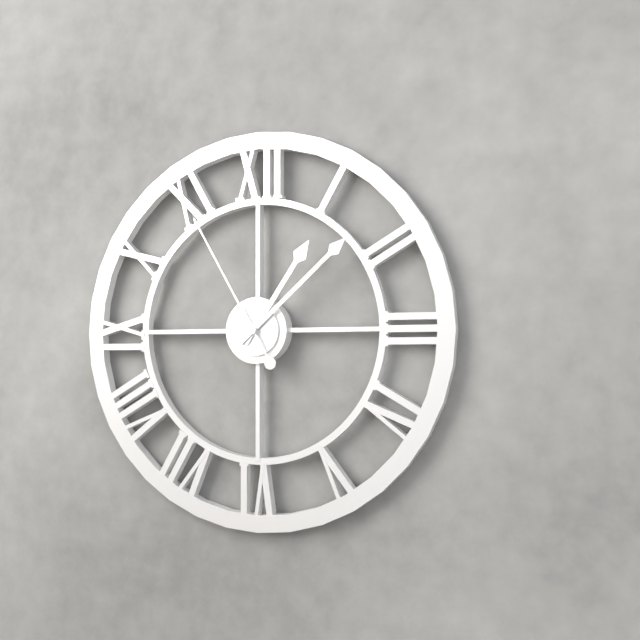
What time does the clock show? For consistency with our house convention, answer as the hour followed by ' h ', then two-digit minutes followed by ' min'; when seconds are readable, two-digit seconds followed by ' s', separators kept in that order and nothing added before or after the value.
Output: 1 h 08 min 55 s
